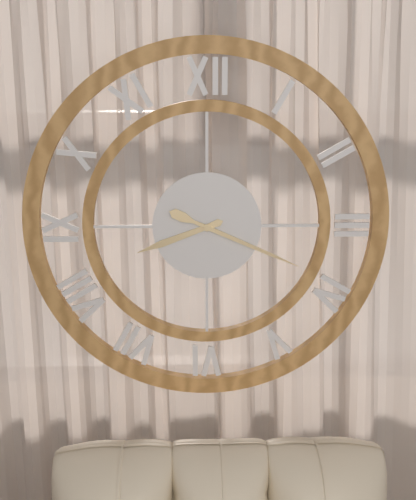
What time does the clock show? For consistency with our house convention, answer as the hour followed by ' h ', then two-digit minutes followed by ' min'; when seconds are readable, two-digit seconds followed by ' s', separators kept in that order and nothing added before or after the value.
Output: 8 h 19 min
